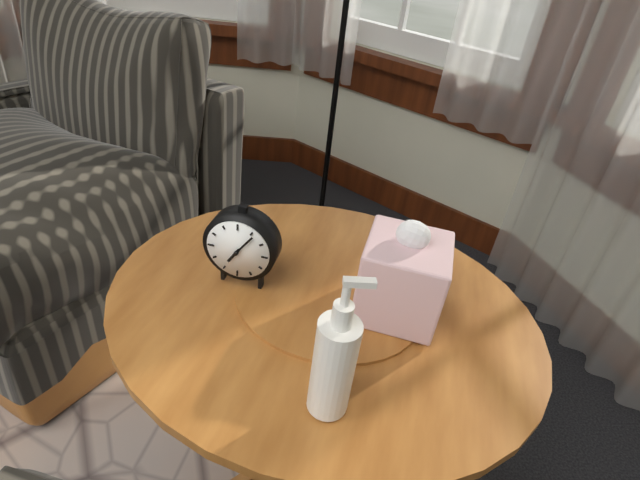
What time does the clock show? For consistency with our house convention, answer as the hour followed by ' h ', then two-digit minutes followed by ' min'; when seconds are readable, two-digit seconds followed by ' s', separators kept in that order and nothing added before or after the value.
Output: 7 h 06 min
